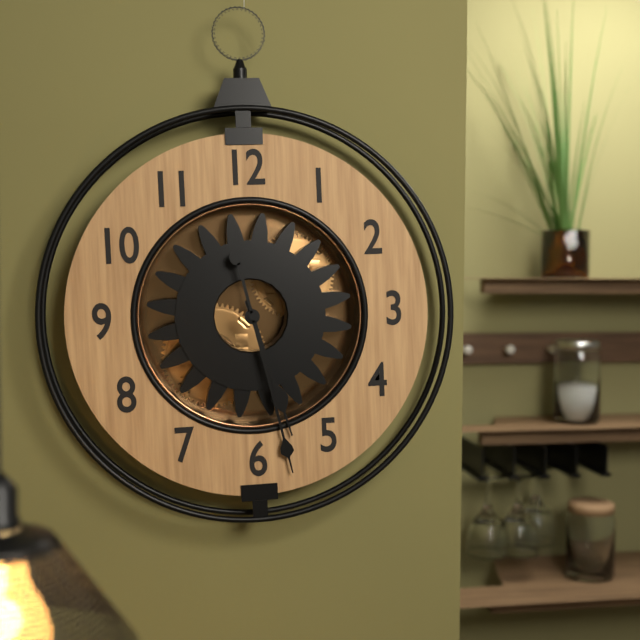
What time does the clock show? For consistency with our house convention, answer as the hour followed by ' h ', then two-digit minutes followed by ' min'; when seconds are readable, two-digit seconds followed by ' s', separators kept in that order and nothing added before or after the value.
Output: 5 h 28 min
